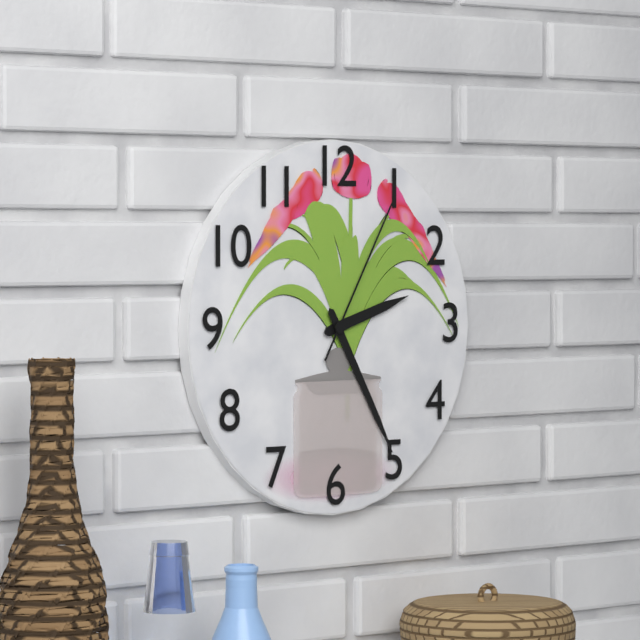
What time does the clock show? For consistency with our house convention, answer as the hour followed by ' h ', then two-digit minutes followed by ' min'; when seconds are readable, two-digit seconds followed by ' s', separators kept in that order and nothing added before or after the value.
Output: 2 h 25 min 05 s
